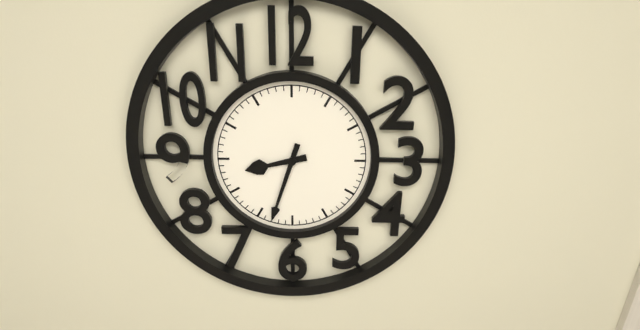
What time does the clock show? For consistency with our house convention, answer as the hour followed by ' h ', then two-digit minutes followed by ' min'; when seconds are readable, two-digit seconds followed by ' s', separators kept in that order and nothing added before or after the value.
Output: 8 h 33 min
